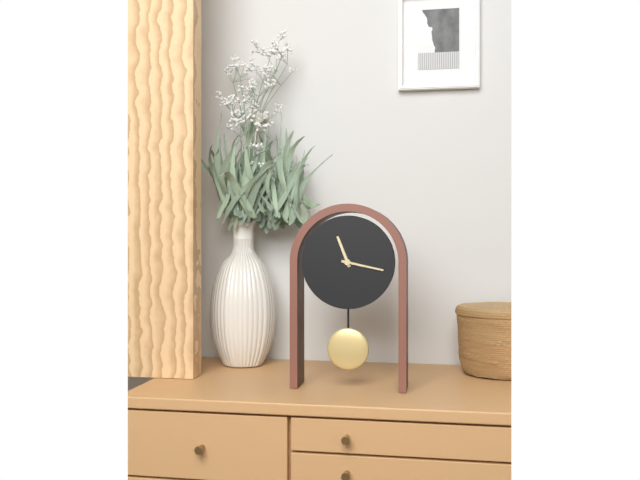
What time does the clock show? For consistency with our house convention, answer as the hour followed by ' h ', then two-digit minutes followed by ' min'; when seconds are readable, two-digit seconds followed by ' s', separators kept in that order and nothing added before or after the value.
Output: 11 h 17 min
